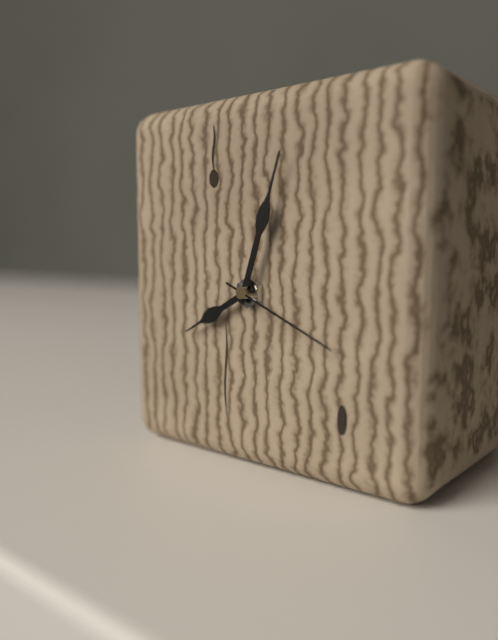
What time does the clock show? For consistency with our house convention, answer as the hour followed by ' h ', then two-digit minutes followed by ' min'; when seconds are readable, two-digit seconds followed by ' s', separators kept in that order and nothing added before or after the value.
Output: 8 h 03 min 19 s
